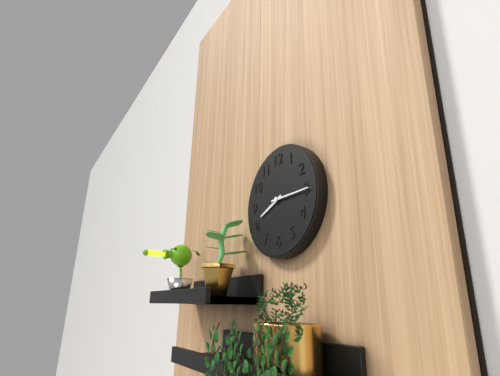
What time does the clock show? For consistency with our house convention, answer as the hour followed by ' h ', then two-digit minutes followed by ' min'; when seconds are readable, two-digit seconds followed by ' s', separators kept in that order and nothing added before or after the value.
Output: 8 h 15 min
